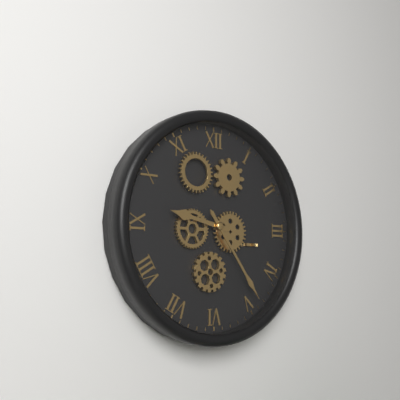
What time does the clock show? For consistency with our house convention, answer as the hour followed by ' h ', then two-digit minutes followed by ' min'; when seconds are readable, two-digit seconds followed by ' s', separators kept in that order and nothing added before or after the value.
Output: 9 h 24 min
